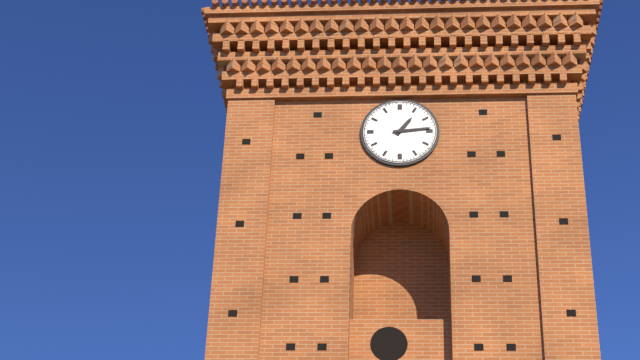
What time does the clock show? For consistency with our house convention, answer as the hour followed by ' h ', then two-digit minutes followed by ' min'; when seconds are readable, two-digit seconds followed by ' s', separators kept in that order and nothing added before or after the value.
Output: 1 h 14 min
